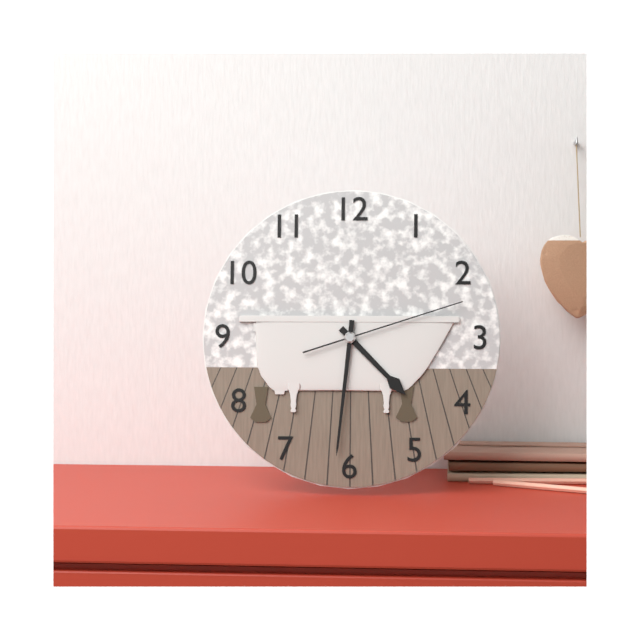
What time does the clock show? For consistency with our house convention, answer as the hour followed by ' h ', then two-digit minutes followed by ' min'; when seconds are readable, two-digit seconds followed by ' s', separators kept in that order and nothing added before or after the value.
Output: 4 h 31 min 12 s
